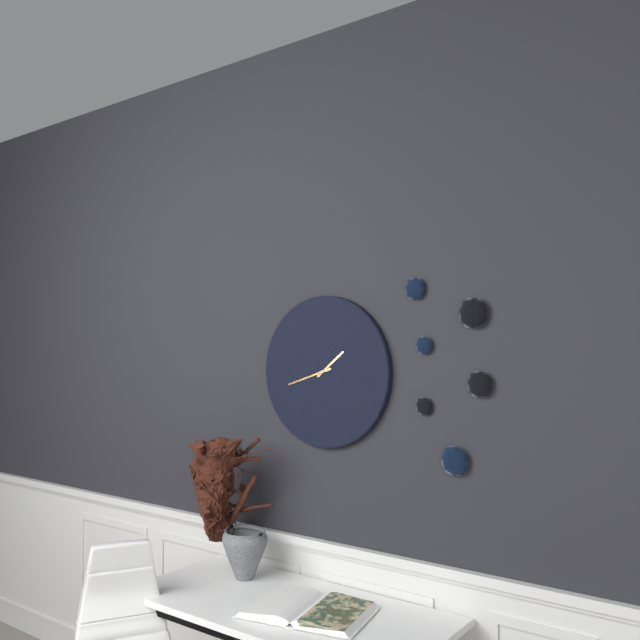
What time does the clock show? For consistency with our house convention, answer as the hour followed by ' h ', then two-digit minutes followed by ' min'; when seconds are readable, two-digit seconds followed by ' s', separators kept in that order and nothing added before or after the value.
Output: 1 h 42 min
